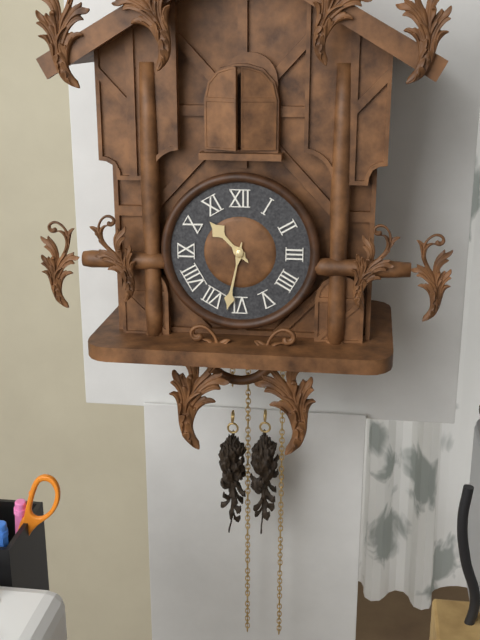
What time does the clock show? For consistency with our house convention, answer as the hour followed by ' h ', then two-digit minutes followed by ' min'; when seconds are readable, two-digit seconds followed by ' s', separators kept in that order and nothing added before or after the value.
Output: 10 h 32 min
